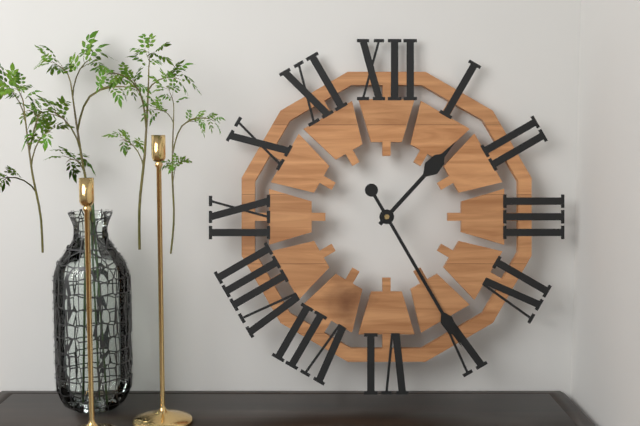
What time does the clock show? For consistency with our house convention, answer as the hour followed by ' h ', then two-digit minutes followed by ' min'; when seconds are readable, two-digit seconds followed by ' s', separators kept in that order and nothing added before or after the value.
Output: 1 h 25 min
